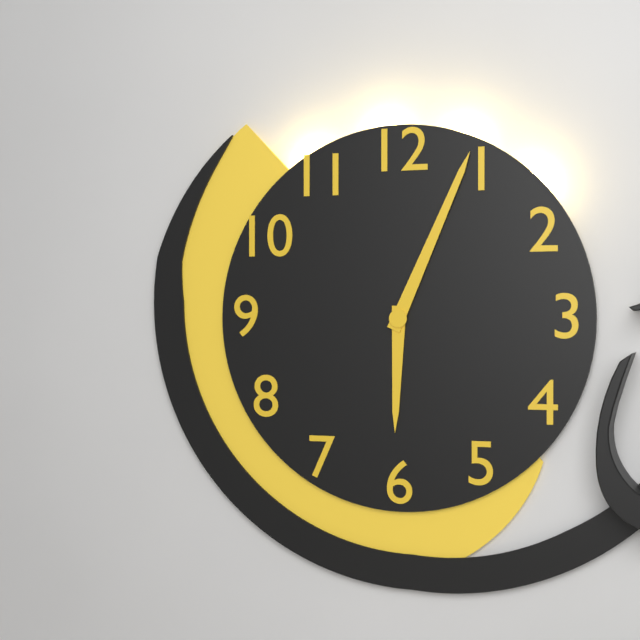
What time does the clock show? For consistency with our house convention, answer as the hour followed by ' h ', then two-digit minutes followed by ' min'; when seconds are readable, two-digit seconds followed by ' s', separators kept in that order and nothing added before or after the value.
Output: 6 h 04 min
